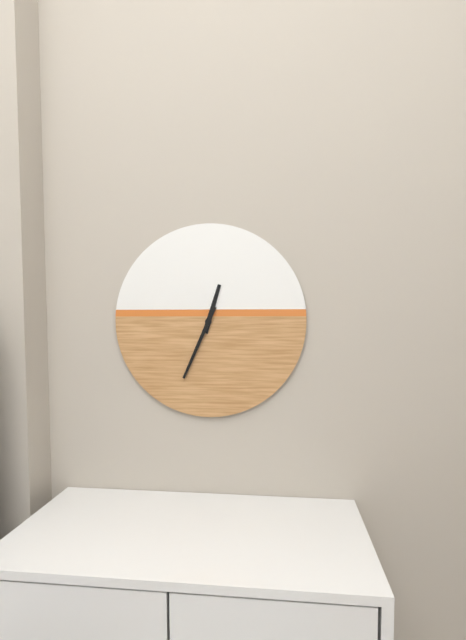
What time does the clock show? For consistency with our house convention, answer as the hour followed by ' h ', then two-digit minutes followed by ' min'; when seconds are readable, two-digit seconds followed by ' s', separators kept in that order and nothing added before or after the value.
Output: 12 h 34 min
